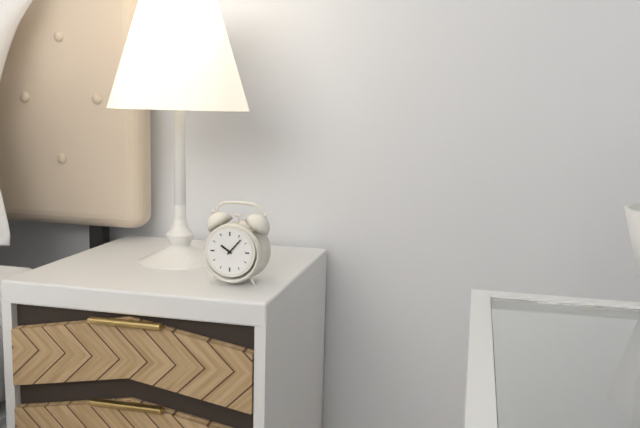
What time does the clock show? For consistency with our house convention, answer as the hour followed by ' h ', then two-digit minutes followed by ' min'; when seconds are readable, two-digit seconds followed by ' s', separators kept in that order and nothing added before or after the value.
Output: 10 h 07 min
